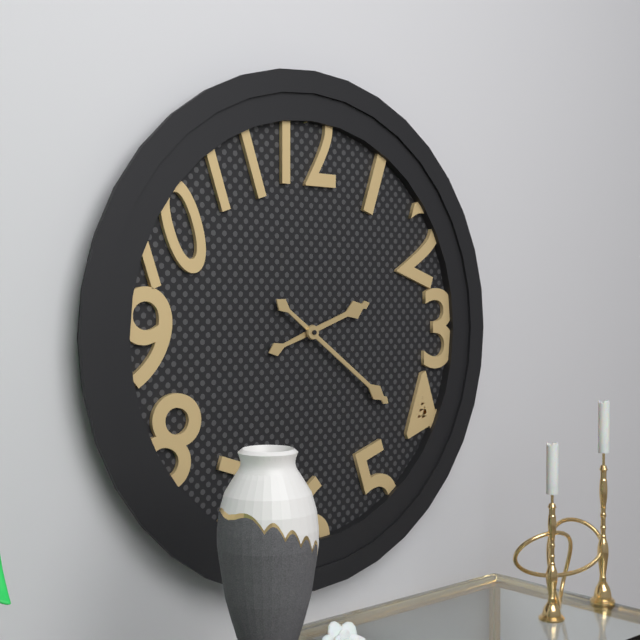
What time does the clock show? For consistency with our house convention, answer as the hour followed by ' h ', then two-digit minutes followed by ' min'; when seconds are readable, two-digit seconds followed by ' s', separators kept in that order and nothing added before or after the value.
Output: 2 h 21 min
